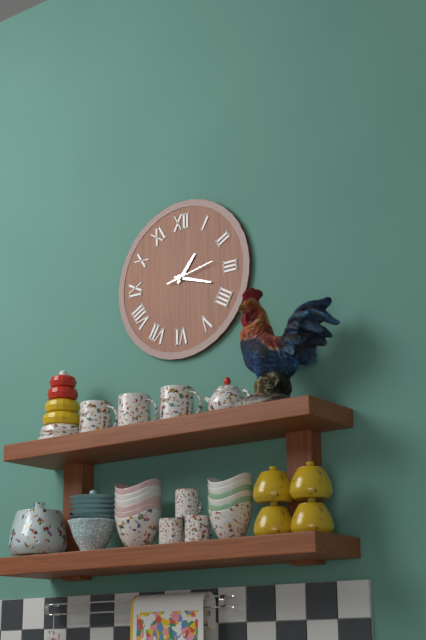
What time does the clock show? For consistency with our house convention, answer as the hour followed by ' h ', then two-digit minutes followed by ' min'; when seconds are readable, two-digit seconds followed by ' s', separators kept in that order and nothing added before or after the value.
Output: 1 h 18 min
